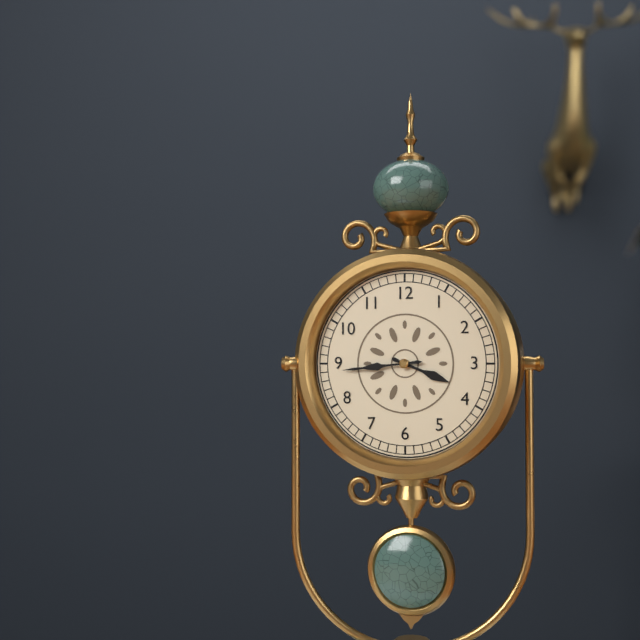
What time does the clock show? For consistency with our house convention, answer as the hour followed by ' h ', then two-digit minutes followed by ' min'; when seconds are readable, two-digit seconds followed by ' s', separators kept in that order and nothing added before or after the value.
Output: 3 h 44 min
